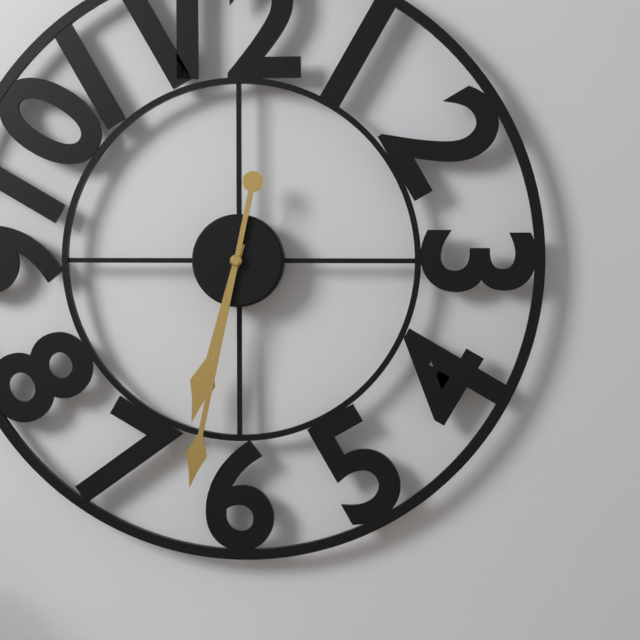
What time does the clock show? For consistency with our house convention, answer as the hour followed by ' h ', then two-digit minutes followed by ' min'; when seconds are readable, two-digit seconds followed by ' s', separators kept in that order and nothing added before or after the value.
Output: 6 h 32 min
